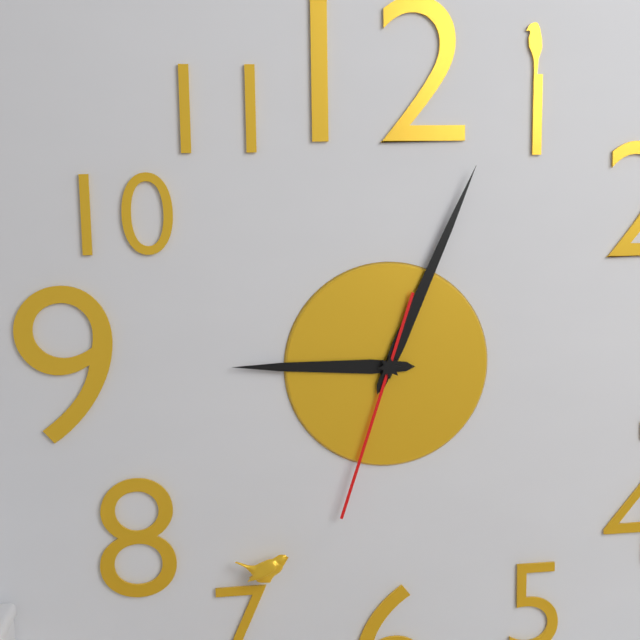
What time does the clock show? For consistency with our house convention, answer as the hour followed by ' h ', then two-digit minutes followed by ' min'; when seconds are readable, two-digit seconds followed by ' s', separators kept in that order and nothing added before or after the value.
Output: 9 h 04 min 33 s
